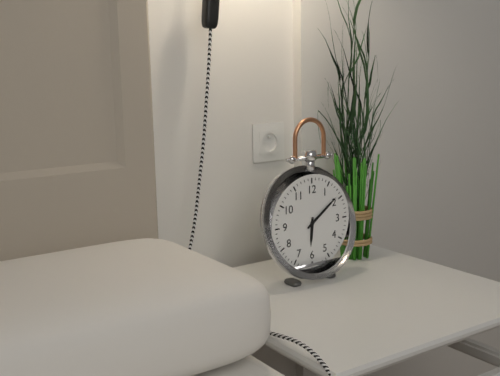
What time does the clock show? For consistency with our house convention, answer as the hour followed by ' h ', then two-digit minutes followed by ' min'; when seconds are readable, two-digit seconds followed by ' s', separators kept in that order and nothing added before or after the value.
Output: 6 h 09 min
